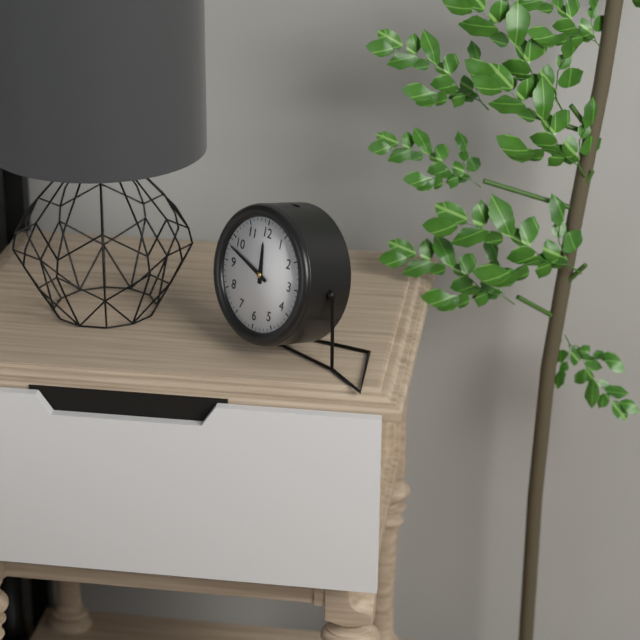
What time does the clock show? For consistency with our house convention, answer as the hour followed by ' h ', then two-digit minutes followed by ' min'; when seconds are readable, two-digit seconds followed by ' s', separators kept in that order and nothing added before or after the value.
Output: 11 h 48 min
